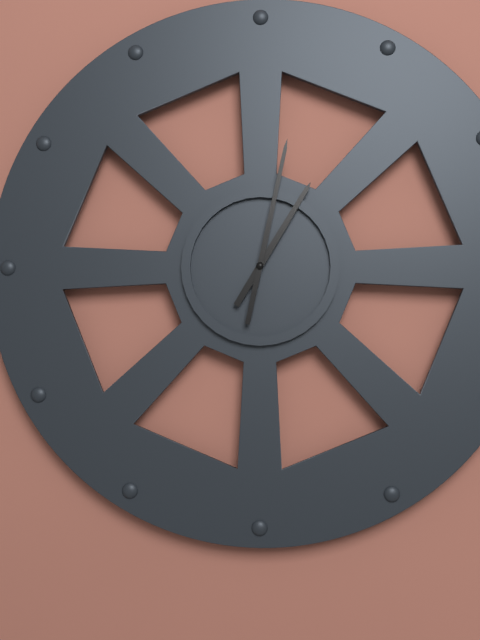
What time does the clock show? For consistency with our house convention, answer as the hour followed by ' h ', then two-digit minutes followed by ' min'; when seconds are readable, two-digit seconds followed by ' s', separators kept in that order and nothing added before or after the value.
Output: 1 h 02 min
